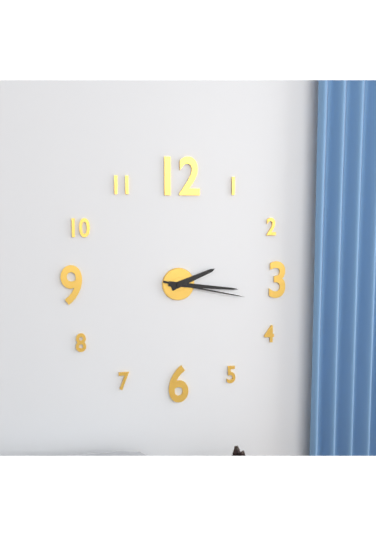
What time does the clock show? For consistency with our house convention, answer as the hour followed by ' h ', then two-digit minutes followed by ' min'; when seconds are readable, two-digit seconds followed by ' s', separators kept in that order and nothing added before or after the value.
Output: 2 h 16 min 17 s
